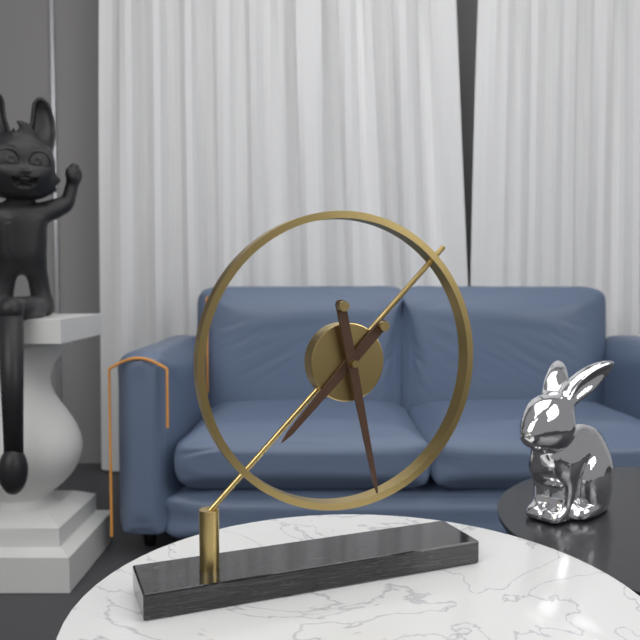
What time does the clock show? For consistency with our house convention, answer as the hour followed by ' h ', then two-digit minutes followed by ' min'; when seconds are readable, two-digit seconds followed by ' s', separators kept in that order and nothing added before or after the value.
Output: 7 h 28 min
